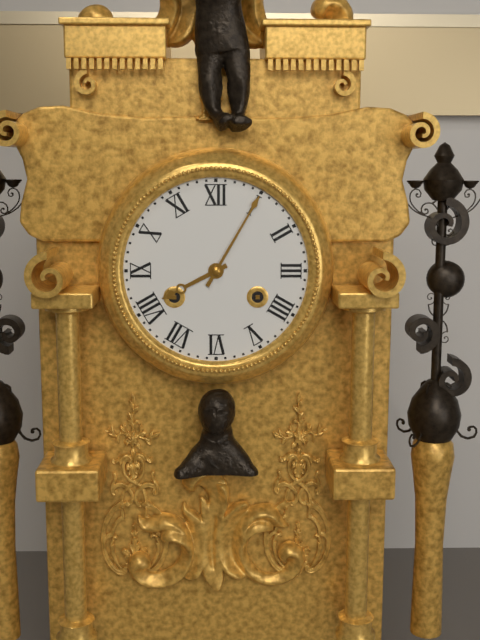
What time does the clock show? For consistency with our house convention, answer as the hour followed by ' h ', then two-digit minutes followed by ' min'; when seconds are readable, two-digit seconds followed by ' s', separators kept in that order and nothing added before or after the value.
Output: 8 h 05 min
